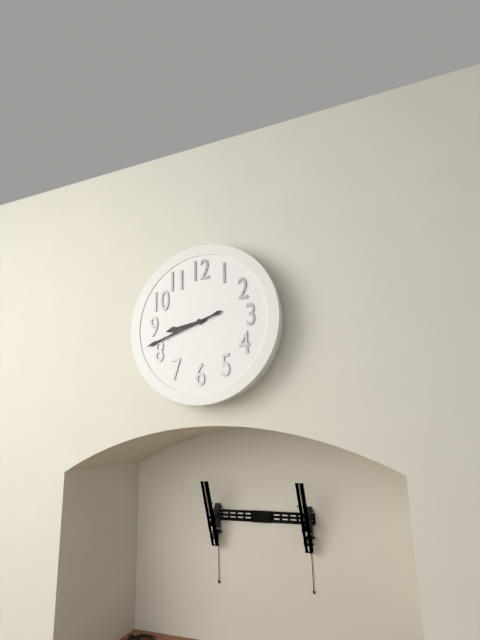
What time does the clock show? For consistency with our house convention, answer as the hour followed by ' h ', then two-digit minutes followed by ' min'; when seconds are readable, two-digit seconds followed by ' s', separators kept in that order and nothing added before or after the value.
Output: 8 h 42 min
